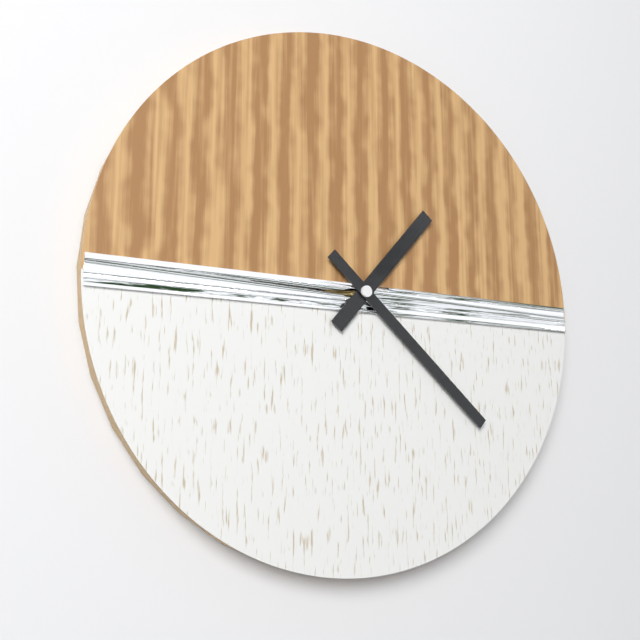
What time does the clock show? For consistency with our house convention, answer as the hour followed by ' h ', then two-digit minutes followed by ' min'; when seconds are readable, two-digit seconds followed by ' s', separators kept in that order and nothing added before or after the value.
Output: 1 h 22 min
